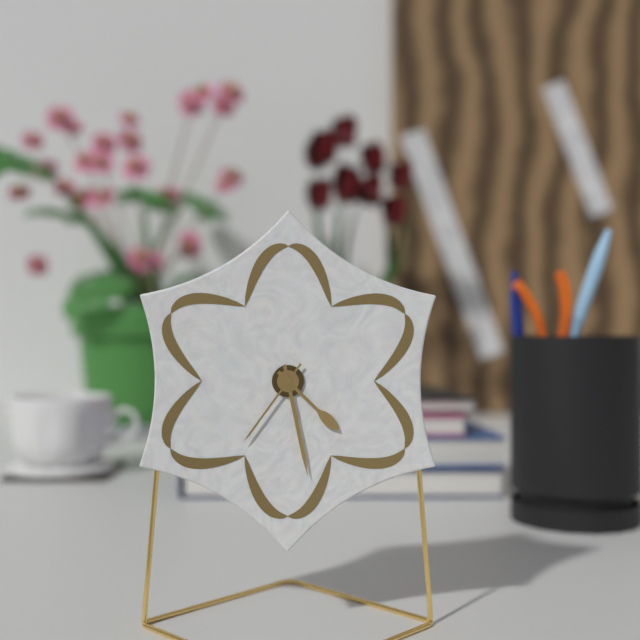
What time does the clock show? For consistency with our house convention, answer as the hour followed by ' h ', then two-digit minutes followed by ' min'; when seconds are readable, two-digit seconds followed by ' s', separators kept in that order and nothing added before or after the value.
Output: 4 h 28 min 36 s
